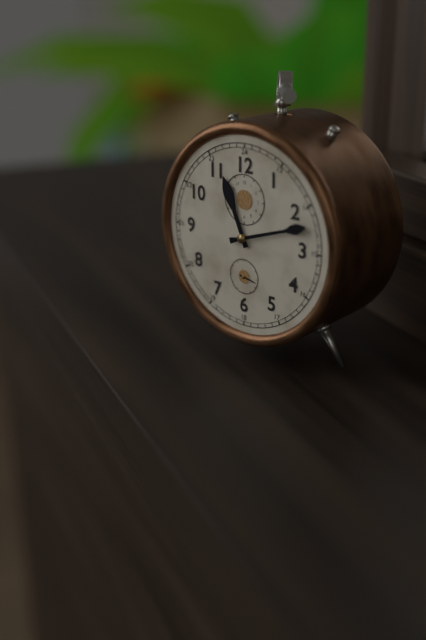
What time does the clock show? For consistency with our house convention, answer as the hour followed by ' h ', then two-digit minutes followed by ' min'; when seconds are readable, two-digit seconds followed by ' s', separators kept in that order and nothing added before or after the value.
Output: 11 h 12 min
